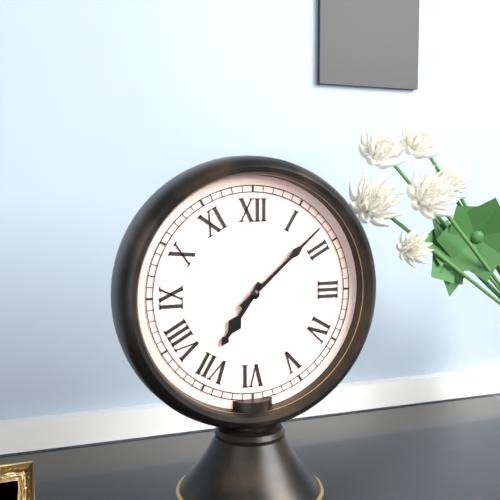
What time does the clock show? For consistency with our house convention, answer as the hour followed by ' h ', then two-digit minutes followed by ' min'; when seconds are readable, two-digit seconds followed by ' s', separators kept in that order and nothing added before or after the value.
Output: 7 h 08 min
